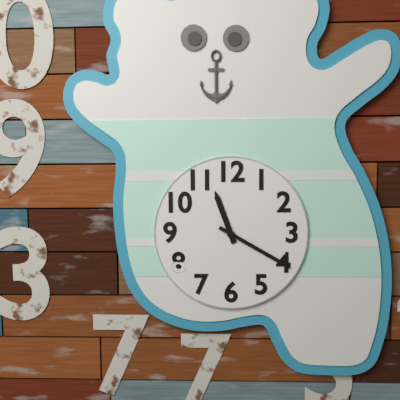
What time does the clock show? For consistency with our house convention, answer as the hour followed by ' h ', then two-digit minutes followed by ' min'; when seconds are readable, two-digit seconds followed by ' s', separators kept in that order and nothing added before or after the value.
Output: 11 h 20 min
